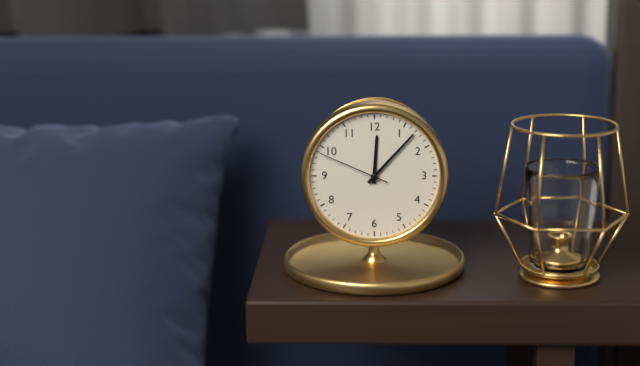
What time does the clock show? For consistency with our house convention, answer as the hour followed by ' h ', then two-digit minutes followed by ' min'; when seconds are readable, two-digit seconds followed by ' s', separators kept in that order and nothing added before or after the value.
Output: 12 h 07 min 49 s
